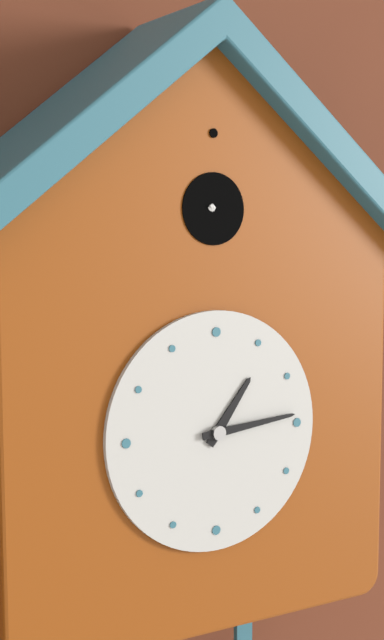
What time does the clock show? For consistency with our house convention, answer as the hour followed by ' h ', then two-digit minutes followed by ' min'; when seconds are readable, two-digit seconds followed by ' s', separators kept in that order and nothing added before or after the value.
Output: 1 h 14 min
